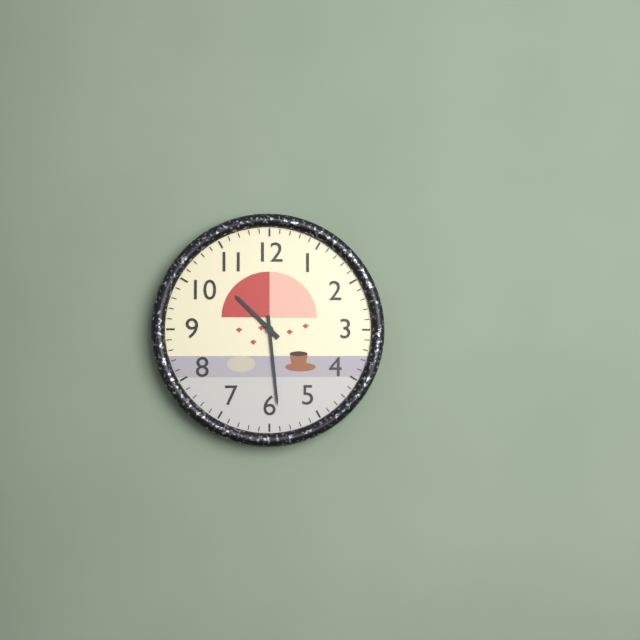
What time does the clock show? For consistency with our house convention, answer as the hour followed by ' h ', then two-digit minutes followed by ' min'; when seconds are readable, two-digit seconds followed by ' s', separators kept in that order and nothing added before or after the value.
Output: 10 h 29 min
